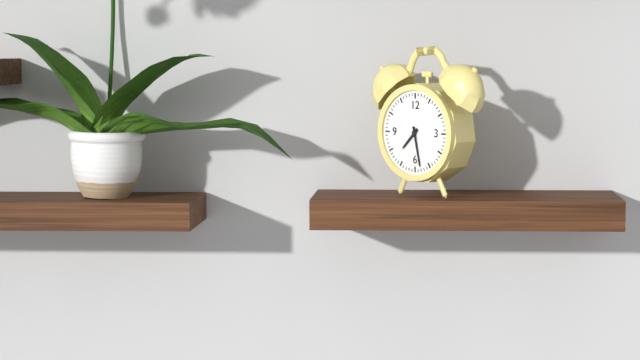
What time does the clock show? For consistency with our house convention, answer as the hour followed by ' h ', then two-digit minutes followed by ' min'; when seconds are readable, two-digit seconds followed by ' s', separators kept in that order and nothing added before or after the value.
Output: 7 h 28 min
